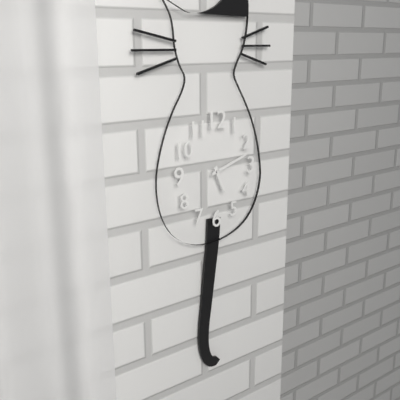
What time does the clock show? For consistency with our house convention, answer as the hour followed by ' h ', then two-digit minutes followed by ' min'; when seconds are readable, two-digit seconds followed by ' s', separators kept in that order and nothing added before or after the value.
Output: 5 h 12 min
